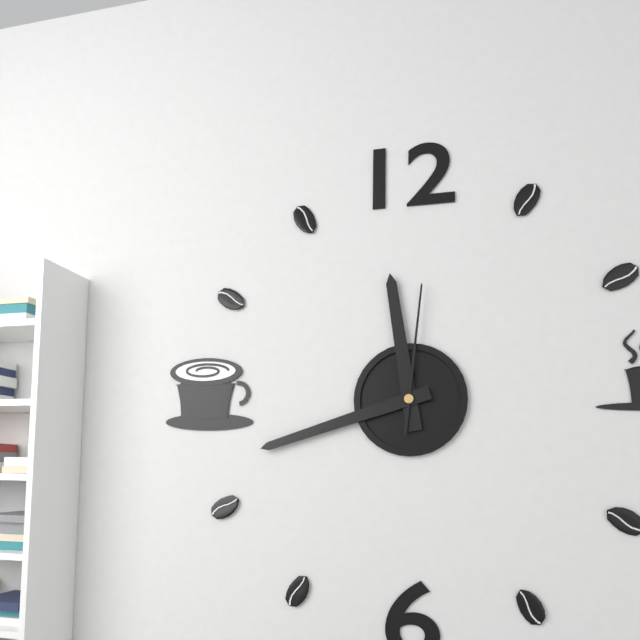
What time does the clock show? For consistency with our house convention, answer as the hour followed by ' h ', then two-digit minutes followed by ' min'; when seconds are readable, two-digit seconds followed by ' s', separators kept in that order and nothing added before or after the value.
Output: 11 h 42 min 01 s
